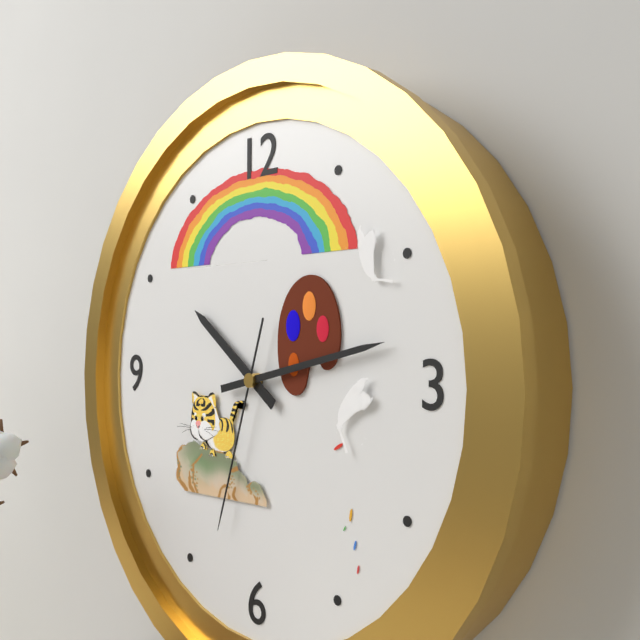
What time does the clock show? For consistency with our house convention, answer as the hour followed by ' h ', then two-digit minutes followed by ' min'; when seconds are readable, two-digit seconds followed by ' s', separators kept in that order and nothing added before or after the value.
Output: 10 h 13 min 33 s
